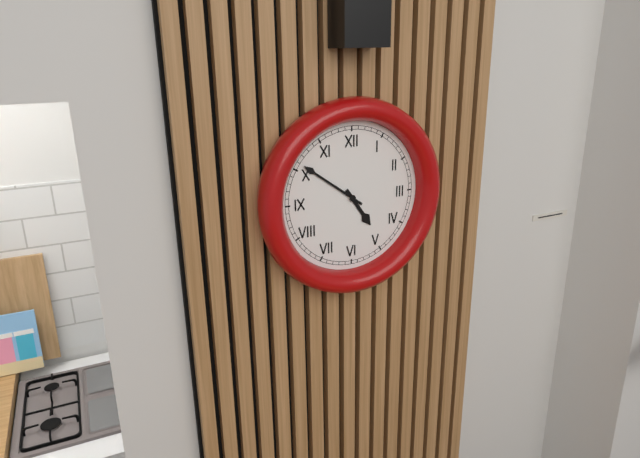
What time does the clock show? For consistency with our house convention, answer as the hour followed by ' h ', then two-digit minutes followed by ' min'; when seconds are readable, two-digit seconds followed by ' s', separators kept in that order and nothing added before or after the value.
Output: 4 h 51 min
